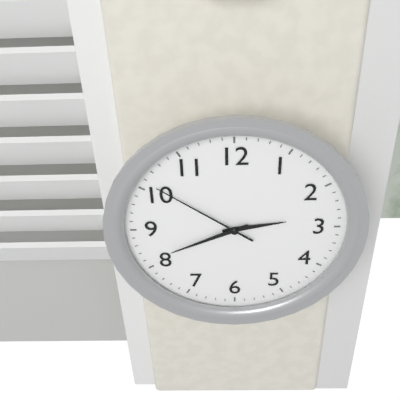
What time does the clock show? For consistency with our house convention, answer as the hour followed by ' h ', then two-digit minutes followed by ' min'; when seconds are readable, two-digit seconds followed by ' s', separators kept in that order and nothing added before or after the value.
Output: 2 h 41 min 51 s
